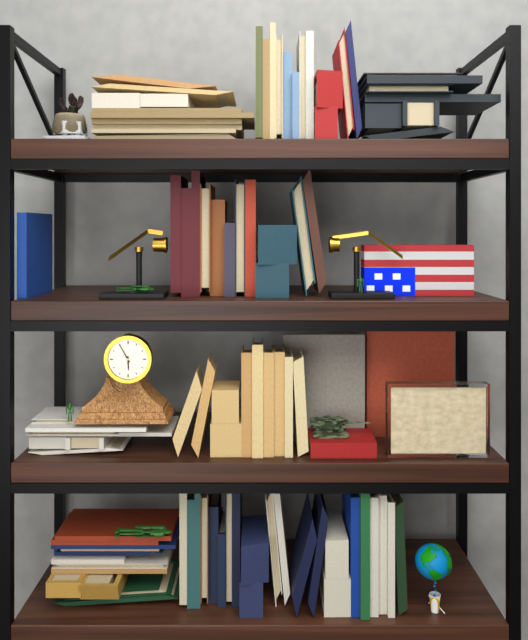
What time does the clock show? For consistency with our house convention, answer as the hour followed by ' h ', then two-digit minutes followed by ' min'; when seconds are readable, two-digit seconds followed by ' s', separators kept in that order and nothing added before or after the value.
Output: 5 h 55 min
